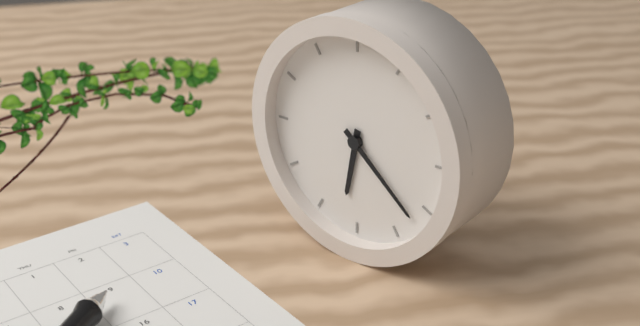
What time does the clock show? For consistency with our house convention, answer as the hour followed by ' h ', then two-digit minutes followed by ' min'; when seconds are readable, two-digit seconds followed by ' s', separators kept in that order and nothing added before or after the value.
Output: 6 h 22 min
